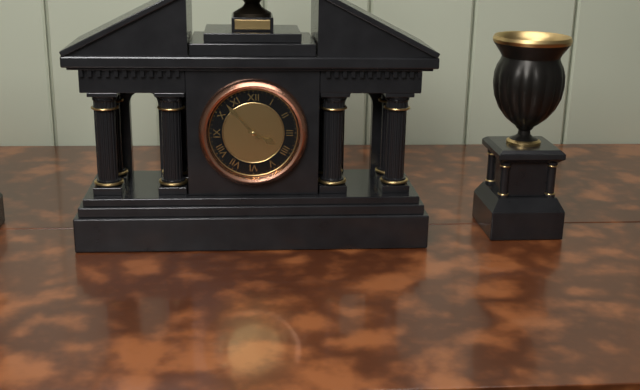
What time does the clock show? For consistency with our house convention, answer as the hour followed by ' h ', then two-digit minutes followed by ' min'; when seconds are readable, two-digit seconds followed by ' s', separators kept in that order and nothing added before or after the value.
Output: 3 h 53 min
